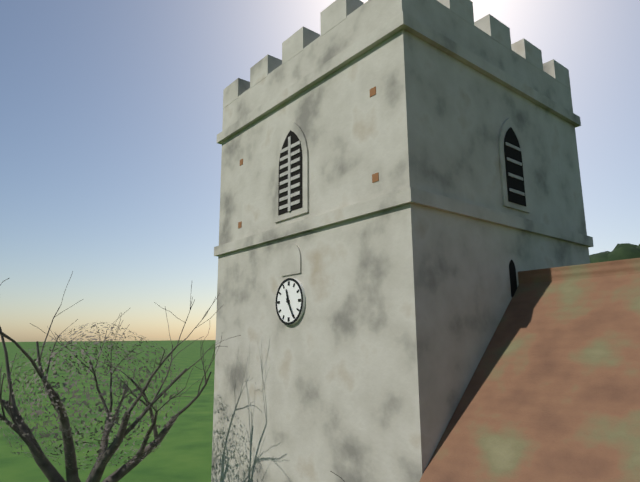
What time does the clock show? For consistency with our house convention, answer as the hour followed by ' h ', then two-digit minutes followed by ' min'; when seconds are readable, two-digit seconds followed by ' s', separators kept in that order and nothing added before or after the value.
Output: 11 h 25 min
